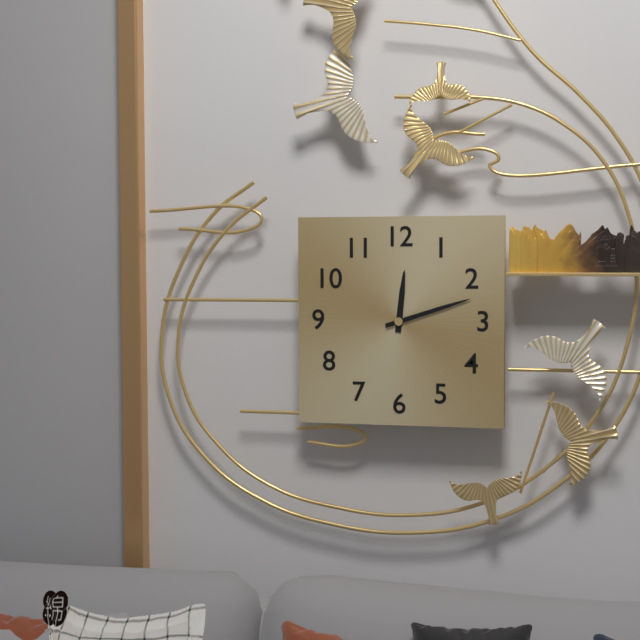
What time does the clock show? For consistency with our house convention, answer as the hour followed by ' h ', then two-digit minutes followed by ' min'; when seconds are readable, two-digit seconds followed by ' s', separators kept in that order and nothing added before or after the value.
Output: 12 h 12 min
